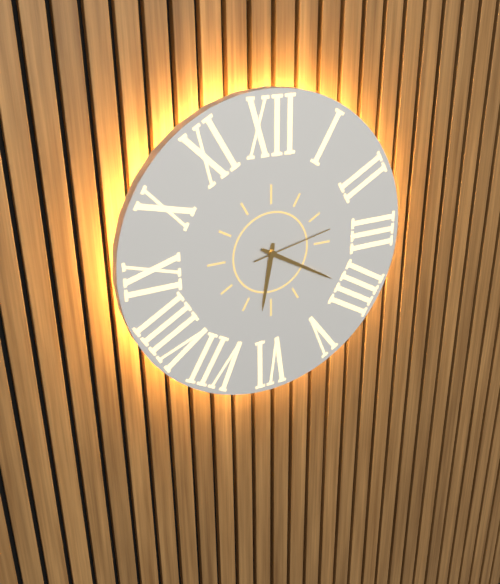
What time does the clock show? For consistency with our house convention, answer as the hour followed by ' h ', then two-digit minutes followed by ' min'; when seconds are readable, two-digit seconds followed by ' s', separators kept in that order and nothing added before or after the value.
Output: 6 h 20 min 13 s
